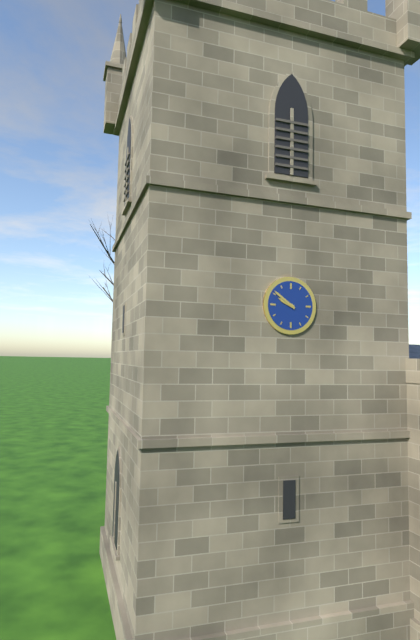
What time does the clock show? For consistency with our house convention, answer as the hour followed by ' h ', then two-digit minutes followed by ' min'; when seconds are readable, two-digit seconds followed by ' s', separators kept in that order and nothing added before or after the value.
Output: 9 h 51 min
